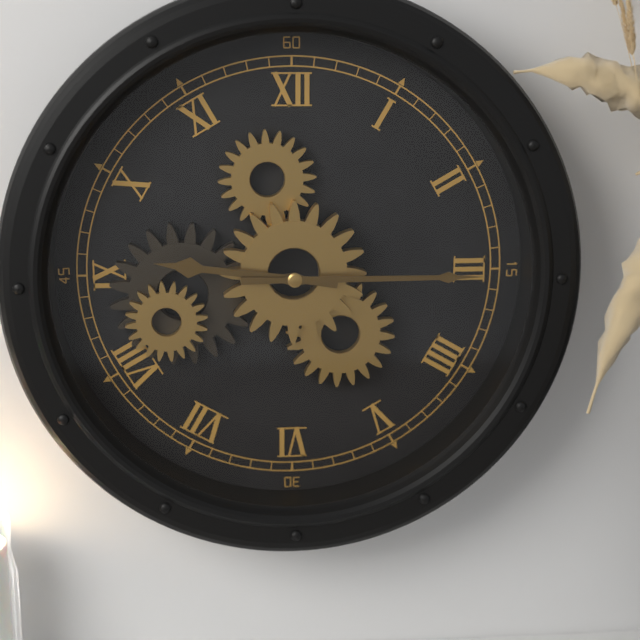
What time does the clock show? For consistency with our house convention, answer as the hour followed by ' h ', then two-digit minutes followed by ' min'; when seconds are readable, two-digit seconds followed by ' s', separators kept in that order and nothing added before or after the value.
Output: 9 h 15 min
